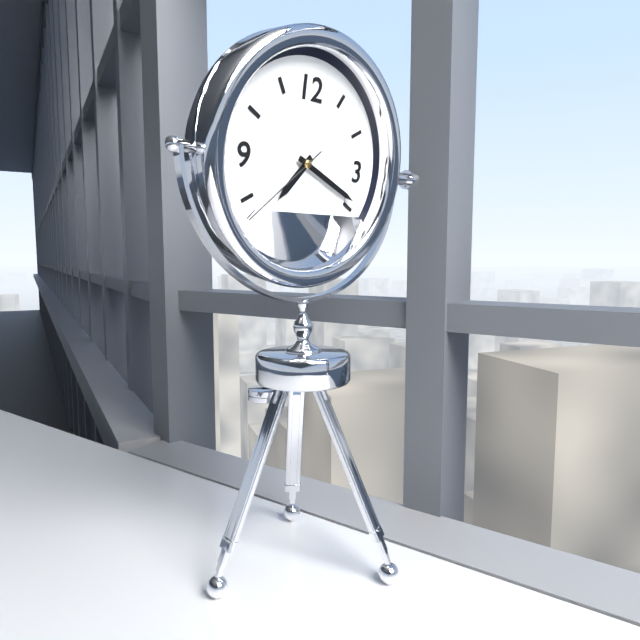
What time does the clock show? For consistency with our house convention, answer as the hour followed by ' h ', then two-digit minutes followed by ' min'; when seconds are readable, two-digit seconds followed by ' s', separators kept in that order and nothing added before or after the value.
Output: 7 h 19 min 38 s
